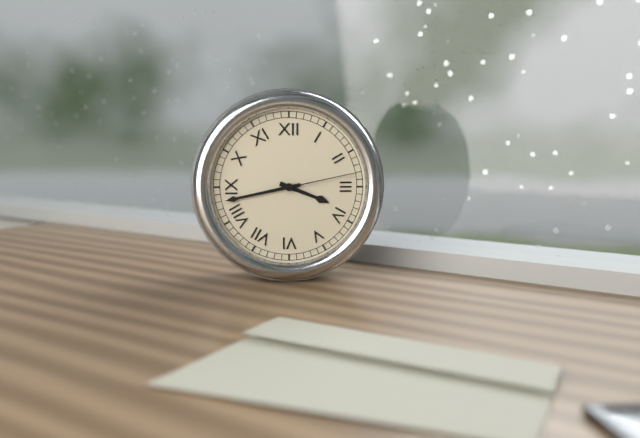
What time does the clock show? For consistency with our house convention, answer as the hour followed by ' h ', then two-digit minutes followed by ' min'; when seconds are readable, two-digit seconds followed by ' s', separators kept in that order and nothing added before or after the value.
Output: 3 h 43 min 13 s
